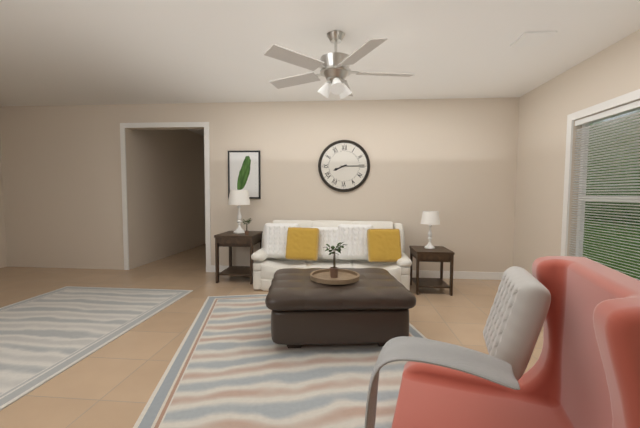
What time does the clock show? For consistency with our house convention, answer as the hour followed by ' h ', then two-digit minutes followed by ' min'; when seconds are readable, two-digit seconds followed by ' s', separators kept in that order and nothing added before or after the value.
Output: 8 h 15 min
